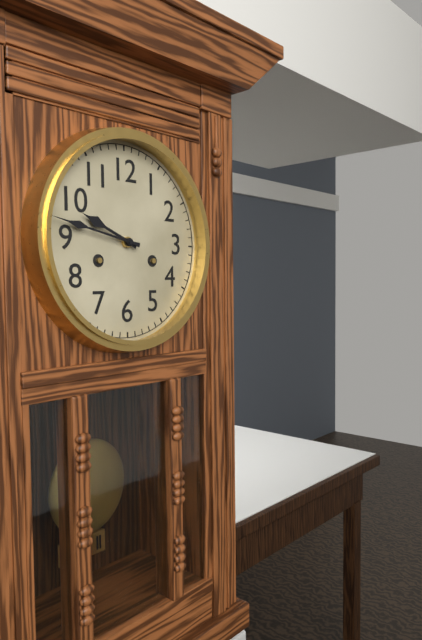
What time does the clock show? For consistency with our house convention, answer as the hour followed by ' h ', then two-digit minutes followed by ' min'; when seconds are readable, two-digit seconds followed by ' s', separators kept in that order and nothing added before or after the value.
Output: 9 h 47 min
